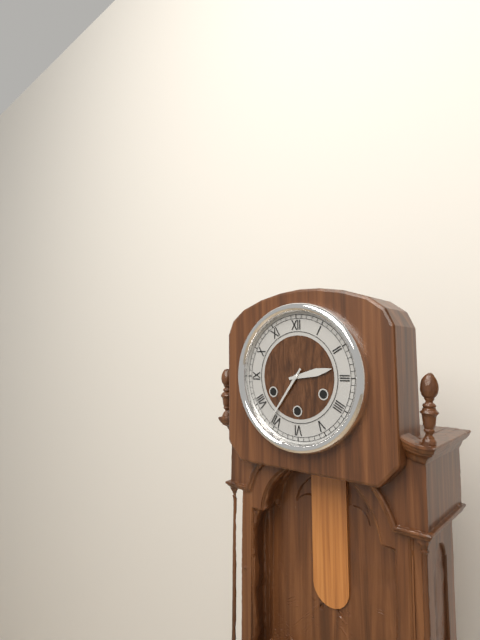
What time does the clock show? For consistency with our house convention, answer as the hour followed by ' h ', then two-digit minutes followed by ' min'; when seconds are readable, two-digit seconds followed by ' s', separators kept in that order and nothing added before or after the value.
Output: 2 h 36 min
